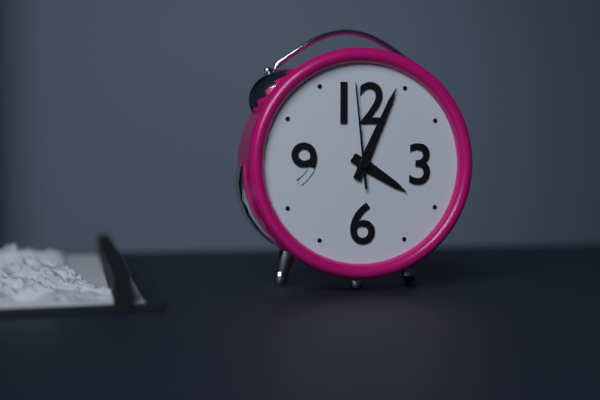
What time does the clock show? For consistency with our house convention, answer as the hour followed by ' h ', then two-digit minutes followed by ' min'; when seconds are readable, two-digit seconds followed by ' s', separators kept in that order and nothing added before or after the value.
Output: 4 h 04 min 59 s
